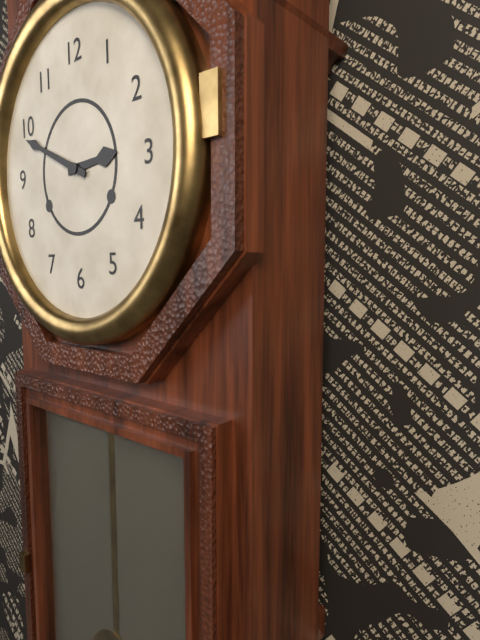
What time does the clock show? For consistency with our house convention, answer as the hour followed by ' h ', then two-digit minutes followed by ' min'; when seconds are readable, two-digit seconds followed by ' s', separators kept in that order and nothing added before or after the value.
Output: 2 h 49 min
